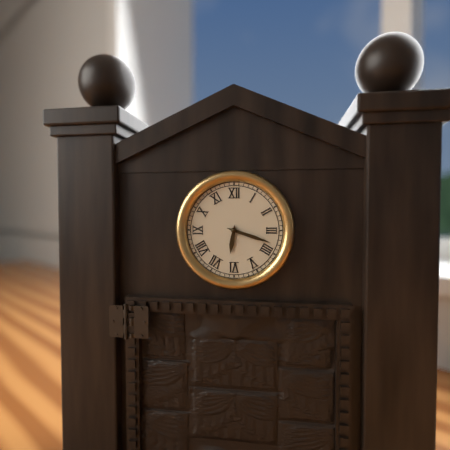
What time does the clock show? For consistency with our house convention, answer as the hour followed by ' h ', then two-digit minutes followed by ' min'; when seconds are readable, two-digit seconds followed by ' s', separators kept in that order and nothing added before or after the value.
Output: 6 h 18 min
